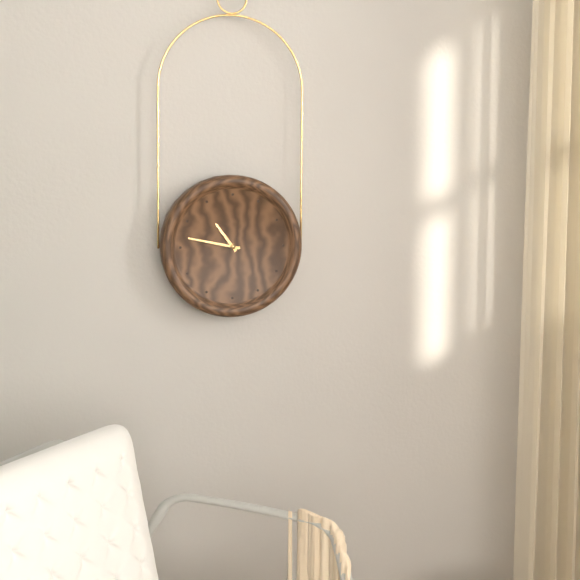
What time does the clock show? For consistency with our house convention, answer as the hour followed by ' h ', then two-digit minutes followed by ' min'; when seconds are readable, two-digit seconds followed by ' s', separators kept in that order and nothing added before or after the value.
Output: 10 h 47 min
